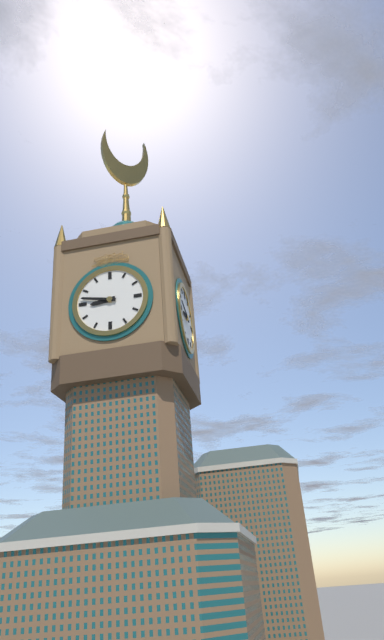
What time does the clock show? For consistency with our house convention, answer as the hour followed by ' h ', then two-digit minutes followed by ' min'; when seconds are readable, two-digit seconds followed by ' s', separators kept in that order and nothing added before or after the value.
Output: 8 h 47 min
